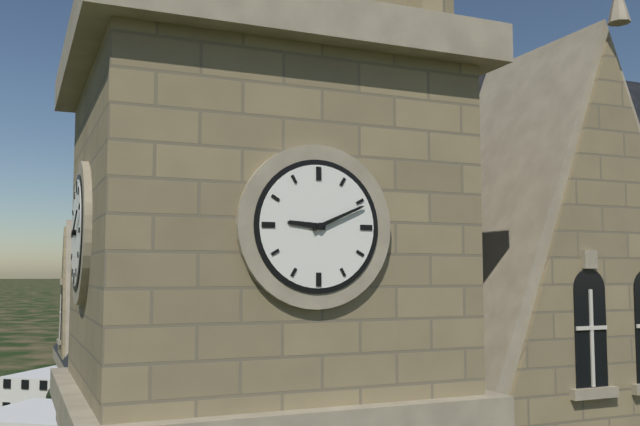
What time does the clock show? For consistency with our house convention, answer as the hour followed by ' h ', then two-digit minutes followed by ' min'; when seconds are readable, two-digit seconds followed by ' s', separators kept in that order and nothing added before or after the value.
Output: 9 h 11 min
